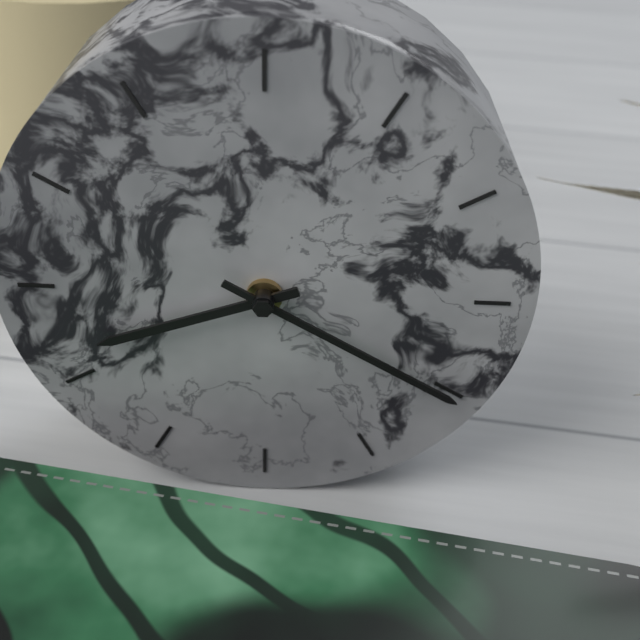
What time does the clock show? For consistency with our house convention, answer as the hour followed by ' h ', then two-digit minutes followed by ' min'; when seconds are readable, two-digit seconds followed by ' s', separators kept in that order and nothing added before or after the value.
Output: 8 h 20 min
